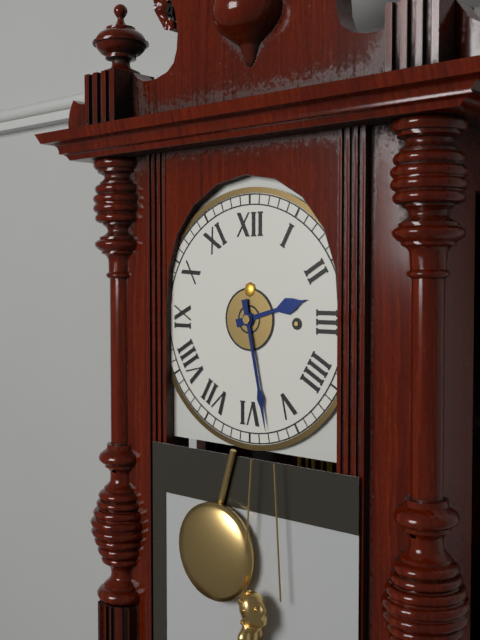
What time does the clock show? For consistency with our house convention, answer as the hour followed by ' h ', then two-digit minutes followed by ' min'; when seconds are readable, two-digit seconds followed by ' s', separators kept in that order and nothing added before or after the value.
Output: 2 h 28 min
